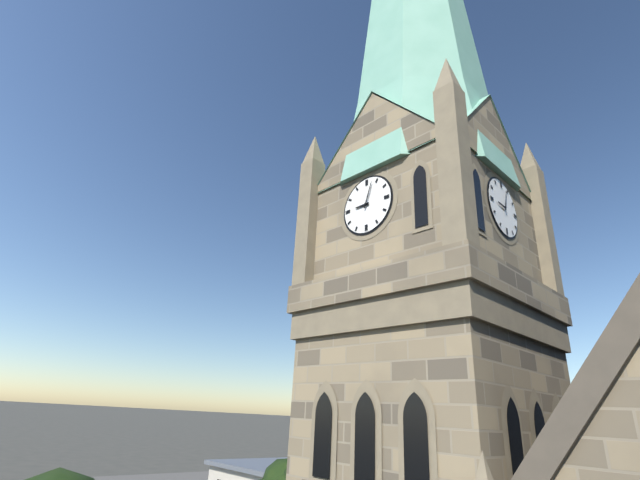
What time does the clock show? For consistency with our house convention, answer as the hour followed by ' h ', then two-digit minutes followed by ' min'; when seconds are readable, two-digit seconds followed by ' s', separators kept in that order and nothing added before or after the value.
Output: 9 h 03 min
